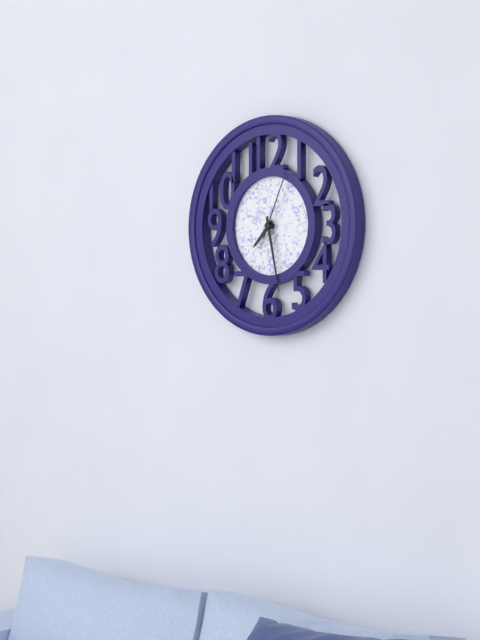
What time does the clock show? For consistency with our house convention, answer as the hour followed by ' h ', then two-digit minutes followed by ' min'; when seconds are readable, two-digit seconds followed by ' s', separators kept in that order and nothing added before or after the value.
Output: 7 h 28 min 04 s
